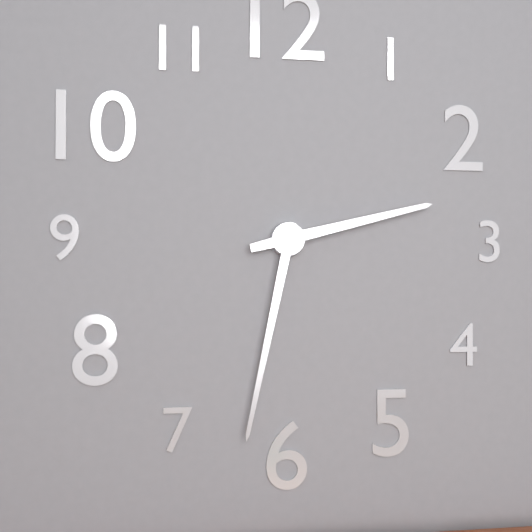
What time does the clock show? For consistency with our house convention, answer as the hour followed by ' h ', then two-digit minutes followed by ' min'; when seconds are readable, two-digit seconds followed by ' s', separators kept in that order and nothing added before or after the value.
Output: 2 h 32 min
